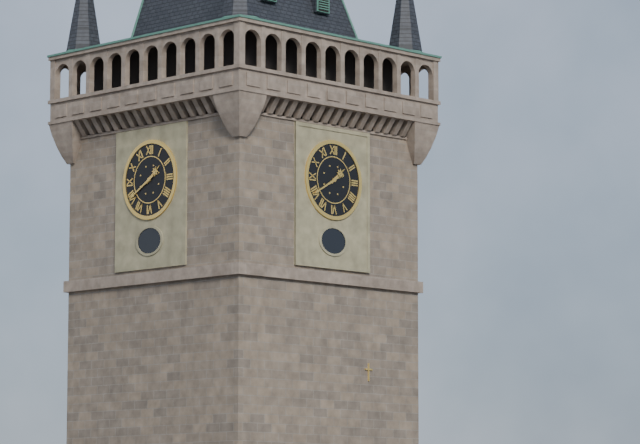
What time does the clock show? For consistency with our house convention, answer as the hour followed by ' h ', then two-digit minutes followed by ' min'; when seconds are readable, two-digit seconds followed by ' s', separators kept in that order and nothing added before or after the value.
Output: 1 h 40 min
